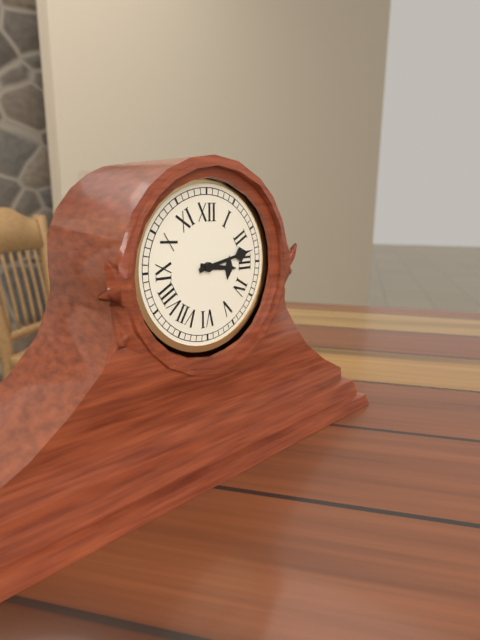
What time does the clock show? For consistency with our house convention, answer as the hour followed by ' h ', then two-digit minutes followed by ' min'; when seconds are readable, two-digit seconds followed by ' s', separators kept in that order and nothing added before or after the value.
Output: 3 h 13 min
